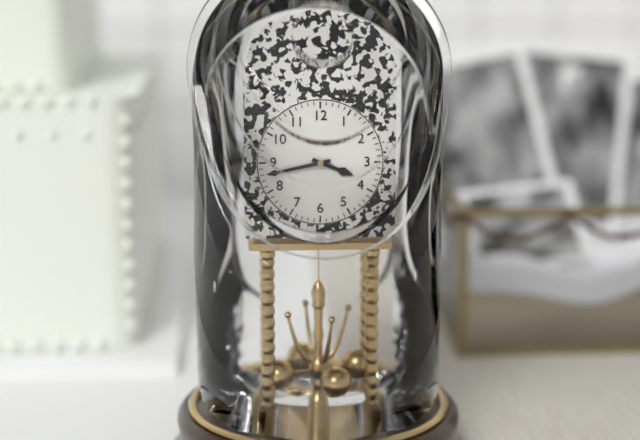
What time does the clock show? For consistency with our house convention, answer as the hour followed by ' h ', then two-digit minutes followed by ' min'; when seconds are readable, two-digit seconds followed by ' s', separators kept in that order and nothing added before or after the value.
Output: 3 h 43 min
